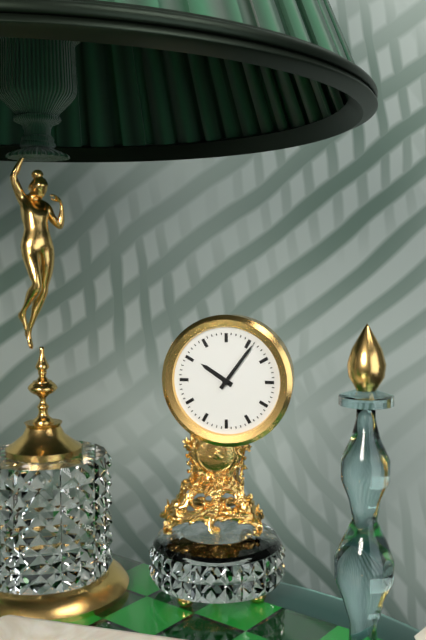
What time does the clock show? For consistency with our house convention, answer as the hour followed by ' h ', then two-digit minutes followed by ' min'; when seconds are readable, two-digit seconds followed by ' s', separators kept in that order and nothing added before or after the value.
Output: 10 h 06 min
